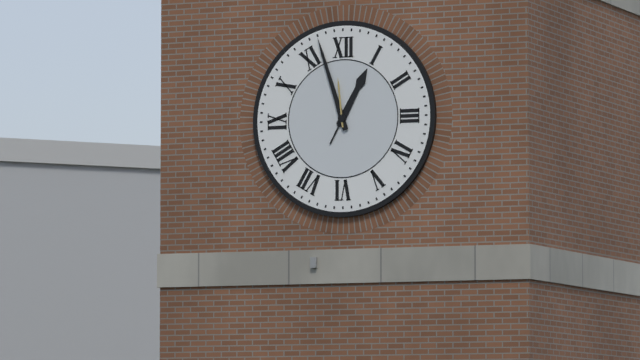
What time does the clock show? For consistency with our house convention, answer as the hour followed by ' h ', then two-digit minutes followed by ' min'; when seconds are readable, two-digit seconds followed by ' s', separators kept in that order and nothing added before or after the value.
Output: 12 h 57 min 59 s
